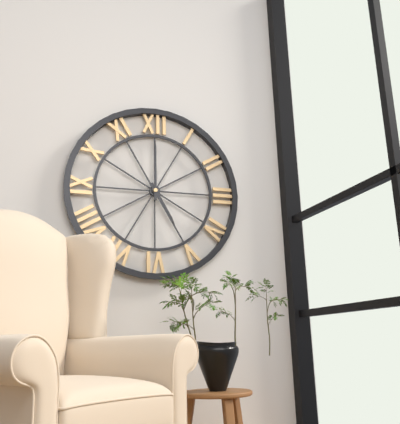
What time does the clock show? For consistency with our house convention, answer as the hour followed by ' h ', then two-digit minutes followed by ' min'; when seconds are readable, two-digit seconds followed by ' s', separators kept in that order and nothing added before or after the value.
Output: 5 h 00 min
